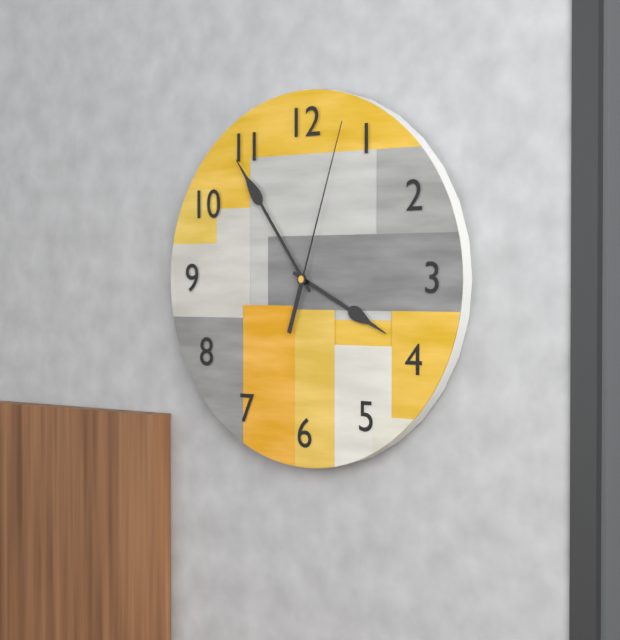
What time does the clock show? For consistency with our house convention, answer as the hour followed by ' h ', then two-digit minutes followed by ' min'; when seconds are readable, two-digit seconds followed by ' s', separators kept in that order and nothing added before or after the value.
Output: 3 h 54 min 03 s
